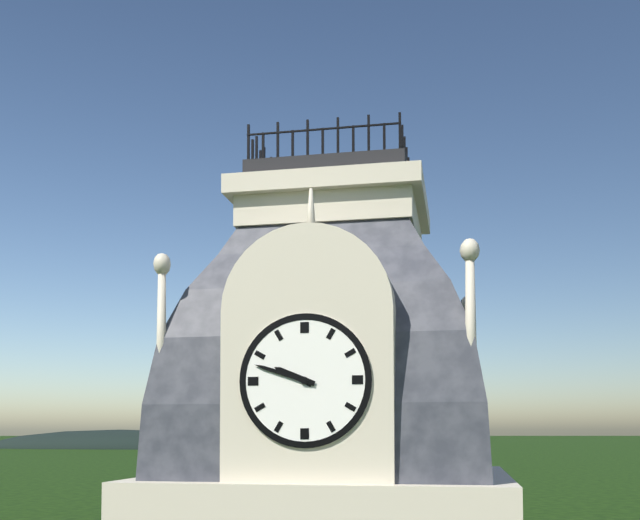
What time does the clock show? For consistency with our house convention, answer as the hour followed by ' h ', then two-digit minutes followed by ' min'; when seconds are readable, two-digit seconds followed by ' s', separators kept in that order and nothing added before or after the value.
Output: 9 h 48 min
